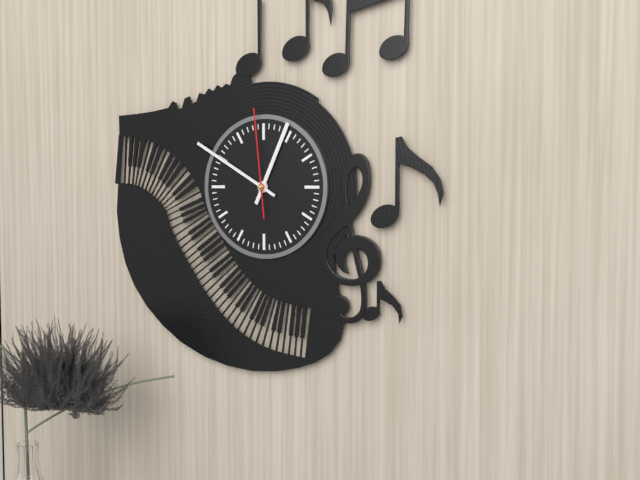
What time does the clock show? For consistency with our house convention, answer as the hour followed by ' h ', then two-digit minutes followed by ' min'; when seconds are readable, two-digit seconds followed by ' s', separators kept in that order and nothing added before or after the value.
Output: 12 h 50 min 59 s
